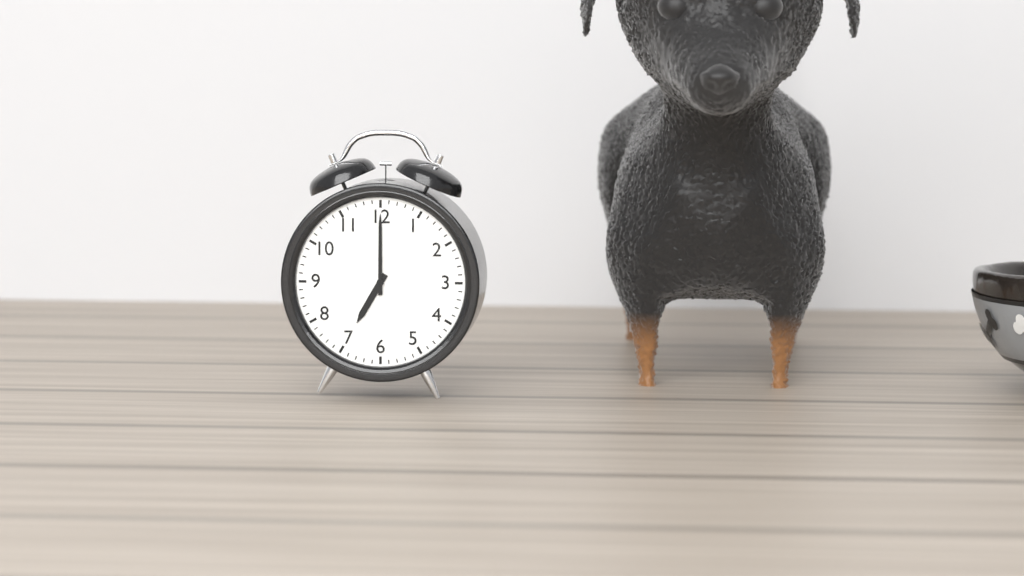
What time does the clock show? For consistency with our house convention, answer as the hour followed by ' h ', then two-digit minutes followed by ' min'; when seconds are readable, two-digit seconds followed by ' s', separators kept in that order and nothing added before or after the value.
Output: 7 h 00 min
